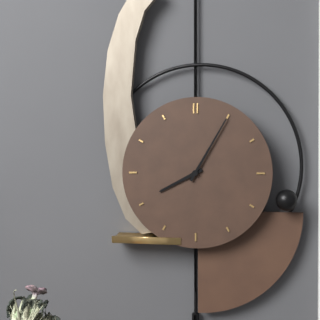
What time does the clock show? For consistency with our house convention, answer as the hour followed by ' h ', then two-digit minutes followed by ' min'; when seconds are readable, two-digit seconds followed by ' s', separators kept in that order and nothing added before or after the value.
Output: 8 h 05 min
